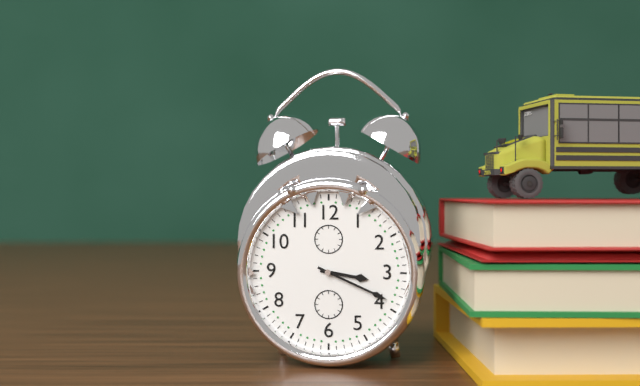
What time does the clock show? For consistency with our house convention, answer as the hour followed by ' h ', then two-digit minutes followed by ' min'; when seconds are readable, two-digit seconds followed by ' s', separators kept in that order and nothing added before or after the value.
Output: 3 h 19 min
